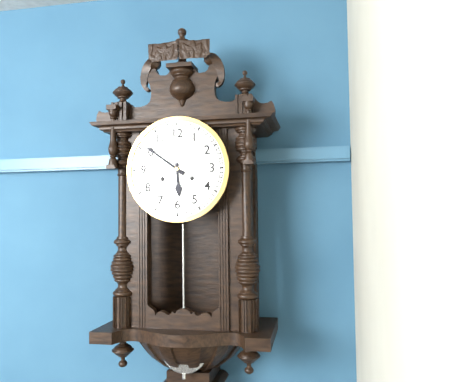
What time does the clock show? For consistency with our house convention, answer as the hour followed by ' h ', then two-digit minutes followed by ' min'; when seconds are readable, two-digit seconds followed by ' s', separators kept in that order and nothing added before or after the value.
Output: 5 h 51 min
